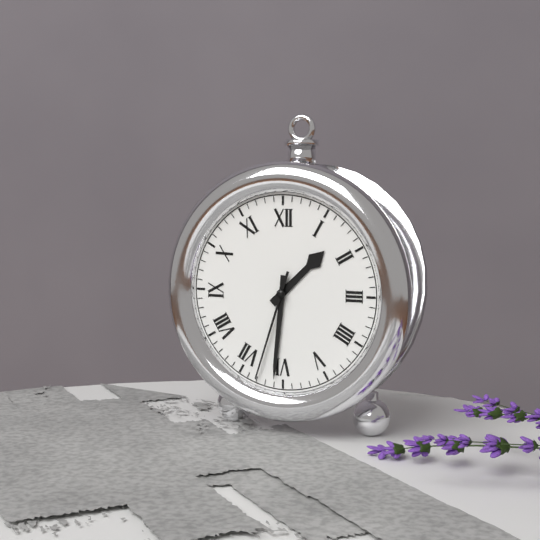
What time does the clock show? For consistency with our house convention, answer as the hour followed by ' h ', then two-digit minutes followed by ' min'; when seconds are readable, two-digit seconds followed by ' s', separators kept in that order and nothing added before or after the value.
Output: 1 h 31 min 33 s
